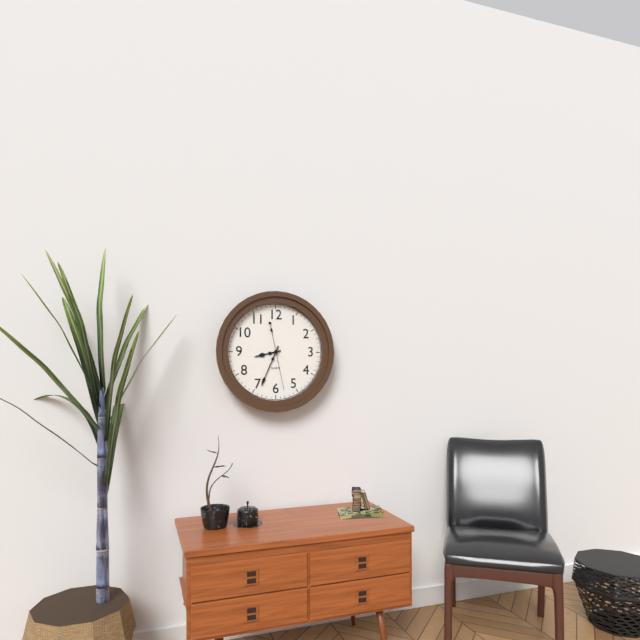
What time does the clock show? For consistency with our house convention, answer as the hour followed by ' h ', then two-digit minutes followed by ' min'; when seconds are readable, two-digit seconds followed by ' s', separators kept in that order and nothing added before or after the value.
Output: 8 h 34 min
